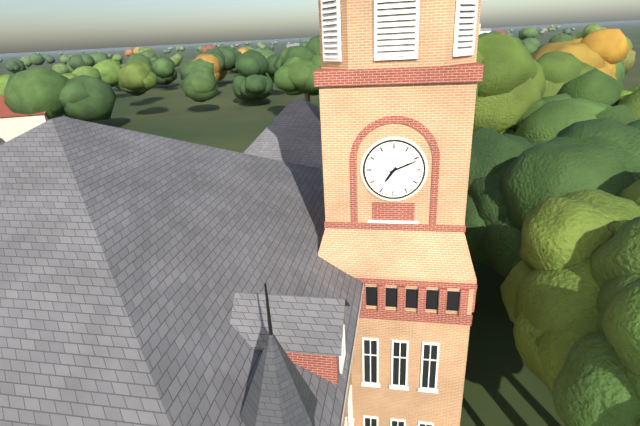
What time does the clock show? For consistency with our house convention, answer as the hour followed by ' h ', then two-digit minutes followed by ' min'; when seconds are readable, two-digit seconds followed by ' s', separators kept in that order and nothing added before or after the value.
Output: 7 h 11 min
